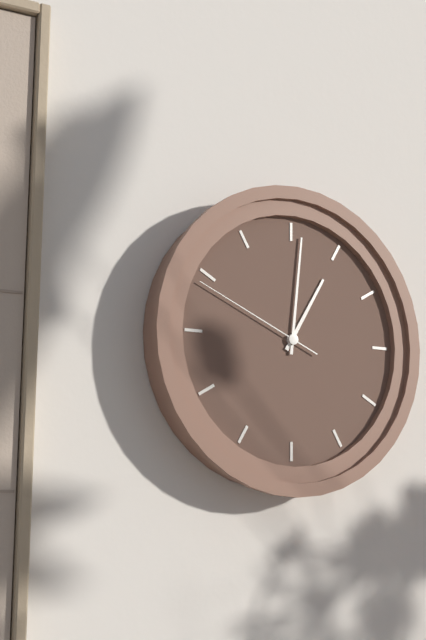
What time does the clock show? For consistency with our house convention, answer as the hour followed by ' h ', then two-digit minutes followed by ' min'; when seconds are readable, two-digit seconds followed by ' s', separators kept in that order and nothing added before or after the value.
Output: 1 h 01 min 49 s
